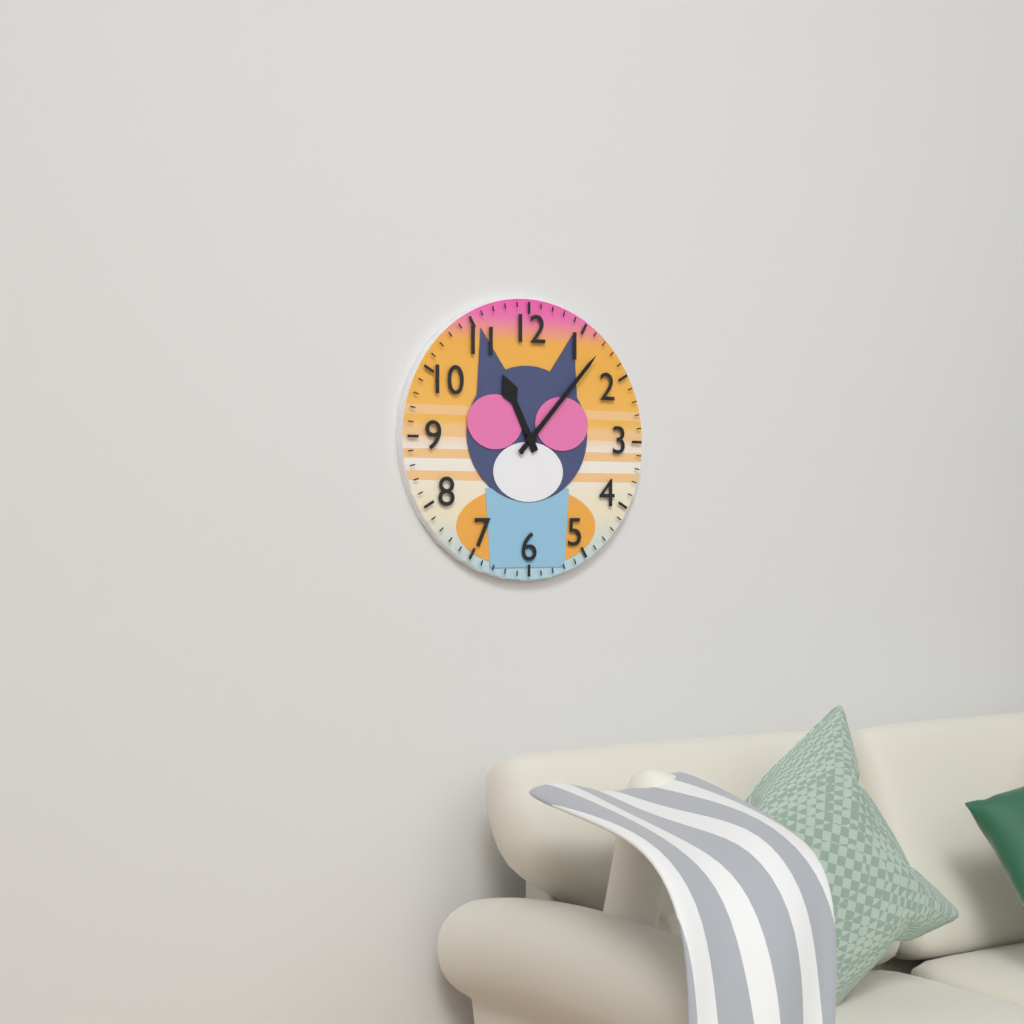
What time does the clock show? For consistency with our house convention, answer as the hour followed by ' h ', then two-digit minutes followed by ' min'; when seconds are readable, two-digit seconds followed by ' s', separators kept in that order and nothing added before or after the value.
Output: 11 h 07 min
